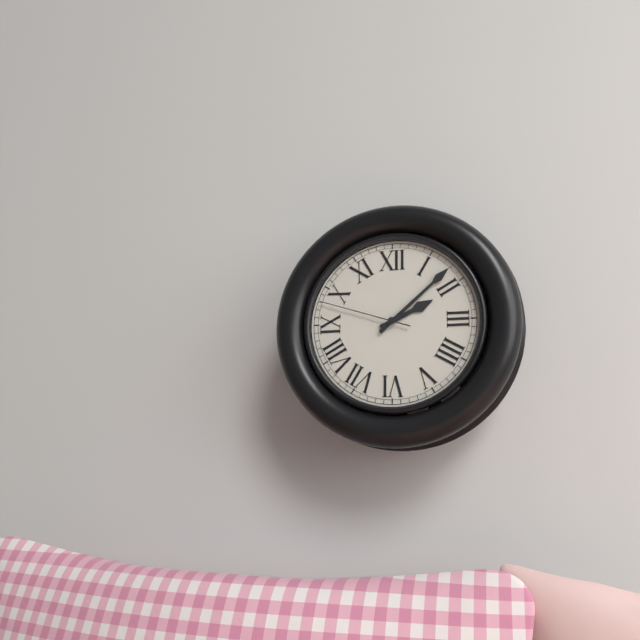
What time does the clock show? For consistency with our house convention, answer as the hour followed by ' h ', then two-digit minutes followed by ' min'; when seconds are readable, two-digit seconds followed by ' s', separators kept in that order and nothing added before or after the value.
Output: 2 h 08 min 48 s
